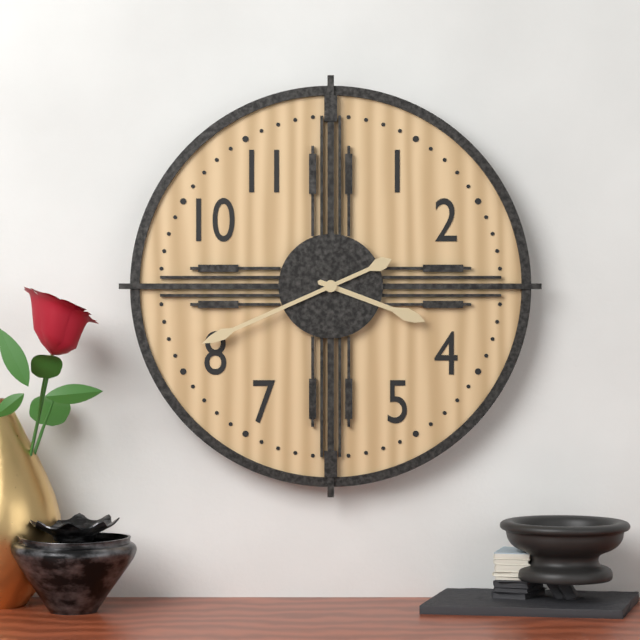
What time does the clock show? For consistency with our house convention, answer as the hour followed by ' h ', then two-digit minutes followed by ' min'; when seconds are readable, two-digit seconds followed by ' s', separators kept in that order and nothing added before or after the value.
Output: 3 h 41 min
